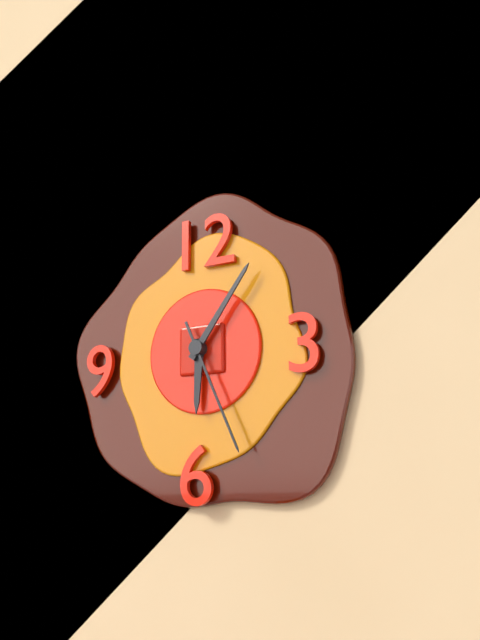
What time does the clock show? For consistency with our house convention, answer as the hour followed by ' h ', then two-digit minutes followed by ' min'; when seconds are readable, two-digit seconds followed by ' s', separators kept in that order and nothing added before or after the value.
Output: 6 h 06 min 26 s
